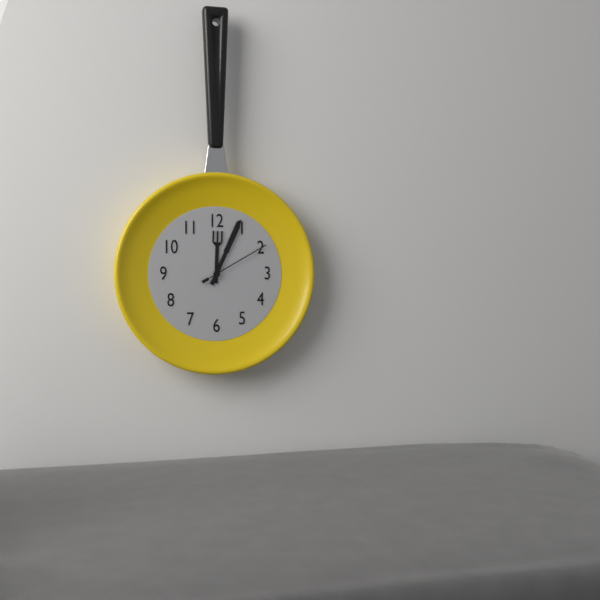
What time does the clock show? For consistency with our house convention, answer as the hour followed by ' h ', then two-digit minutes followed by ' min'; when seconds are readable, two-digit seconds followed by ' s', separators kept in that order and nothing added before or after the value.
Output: 12 h 04 min 10 s
